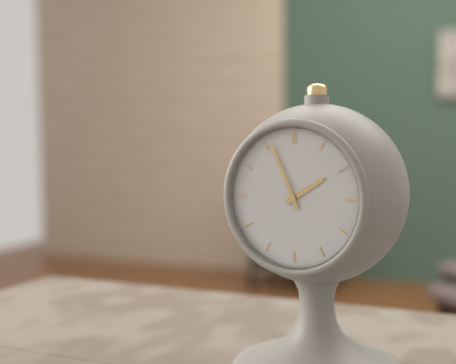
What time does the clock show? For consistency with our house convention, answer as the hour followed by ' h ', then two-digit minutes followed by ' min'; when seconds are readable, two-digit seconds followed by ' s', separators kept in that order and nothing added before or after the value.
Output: 1 h 56 min
